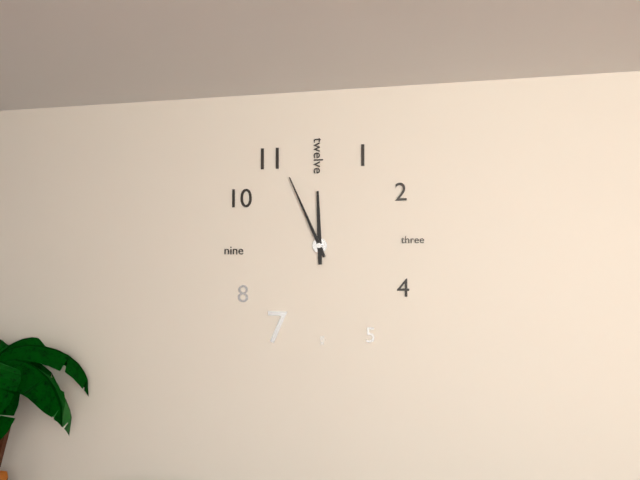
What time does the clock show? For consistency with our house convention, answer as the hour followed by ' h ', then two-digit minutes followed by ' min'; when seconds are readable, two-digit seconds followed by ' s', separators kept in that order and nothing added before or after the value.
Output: 11 h 56 min
